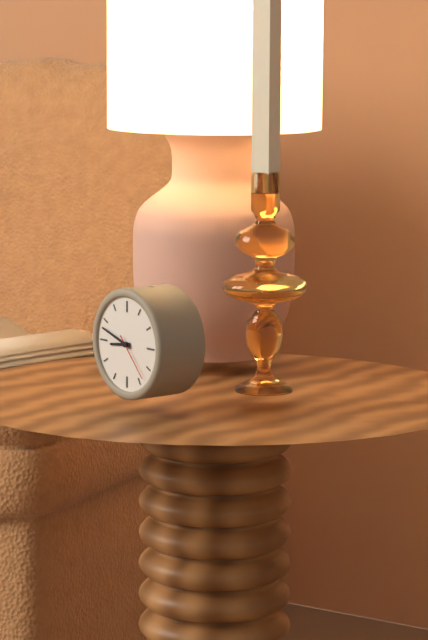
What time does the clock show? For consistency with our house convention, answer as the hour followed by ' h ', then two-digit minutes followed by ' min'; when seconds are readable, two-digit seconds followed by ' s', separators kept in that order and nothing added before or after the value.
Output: 8 h 48 min
